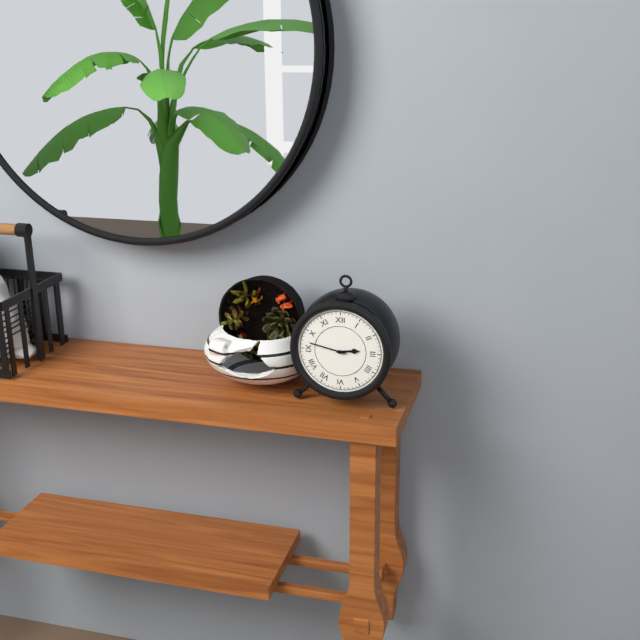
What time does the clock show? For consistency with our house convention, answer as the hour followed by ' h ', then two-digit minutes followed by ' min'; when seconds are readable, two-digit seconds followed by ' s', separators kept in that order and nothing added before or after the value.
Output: 2 h 47 min
